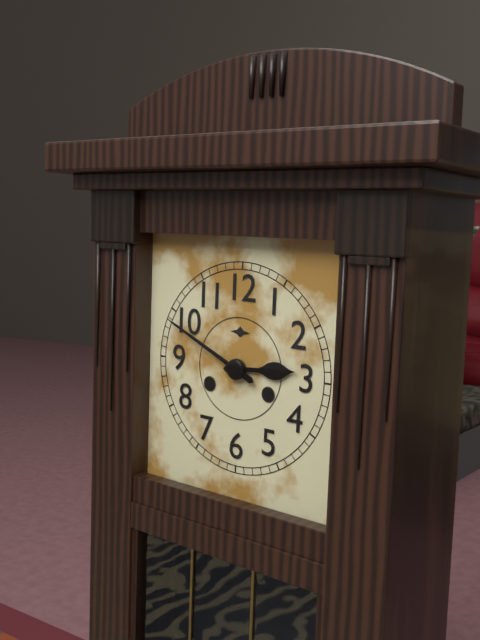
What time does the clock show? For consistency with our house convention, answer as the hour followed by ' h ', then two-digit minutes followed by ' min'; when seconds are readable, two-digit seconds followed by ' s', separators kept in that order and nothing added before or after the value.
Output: 2 h 49 min
